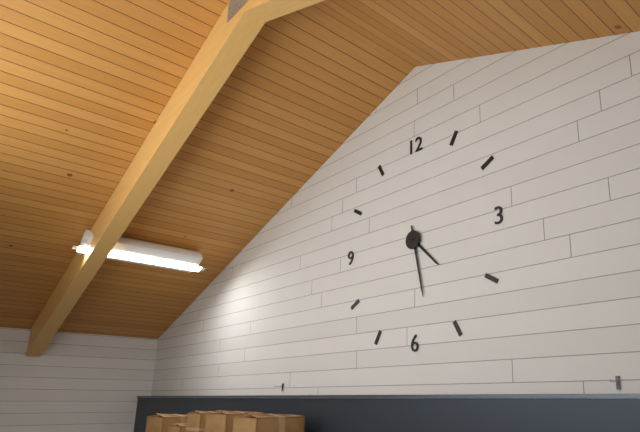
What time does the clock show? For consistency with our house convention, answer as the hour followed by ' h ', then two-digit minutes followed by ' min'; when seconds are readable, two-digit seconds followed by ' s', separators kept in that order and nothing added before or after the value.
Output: 4 h 28 min
